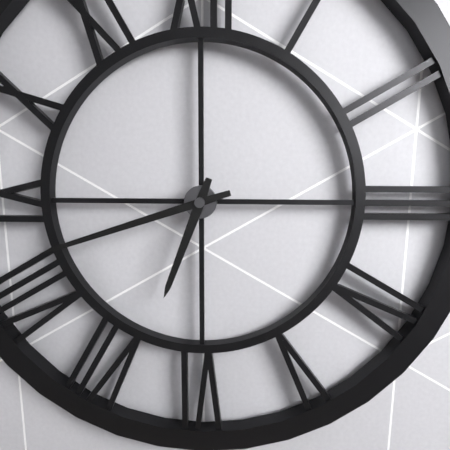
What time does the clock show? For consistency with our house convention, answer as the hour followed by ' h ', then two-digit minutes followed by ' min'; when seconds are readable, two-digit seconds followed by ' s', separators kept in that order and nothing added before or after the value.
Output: 6 h 42 min
